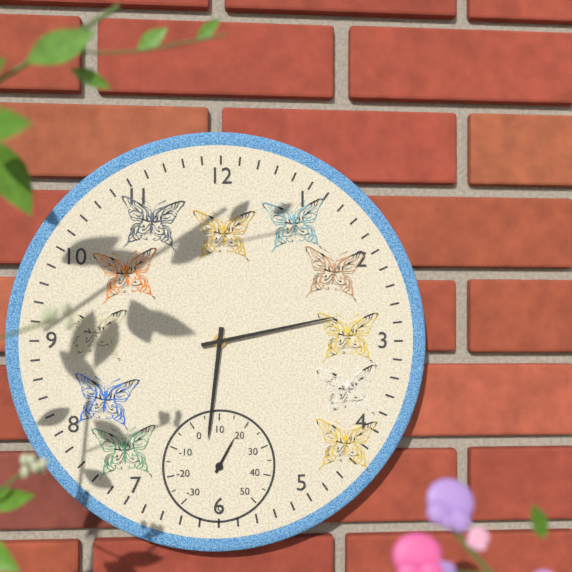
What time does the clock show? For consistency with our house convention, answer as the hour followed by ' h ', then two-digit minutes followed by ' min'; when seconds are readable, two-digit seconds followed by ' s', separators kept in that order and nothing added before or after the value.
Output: 6 h 13 min
